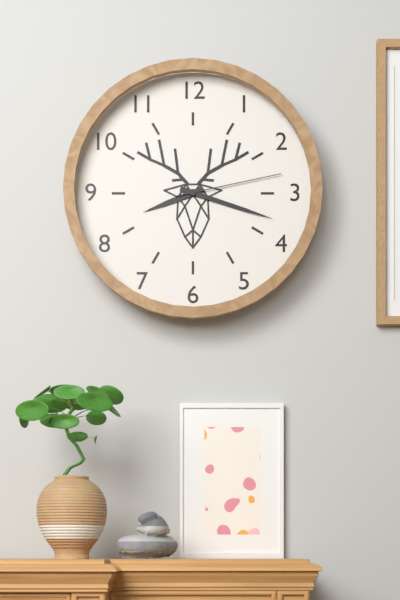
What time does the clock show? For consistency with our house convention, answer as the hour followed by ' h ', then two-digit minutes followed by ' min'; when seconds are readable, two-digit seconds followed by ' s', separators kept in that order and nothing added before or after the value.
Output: 8 h 18 min 13 s
